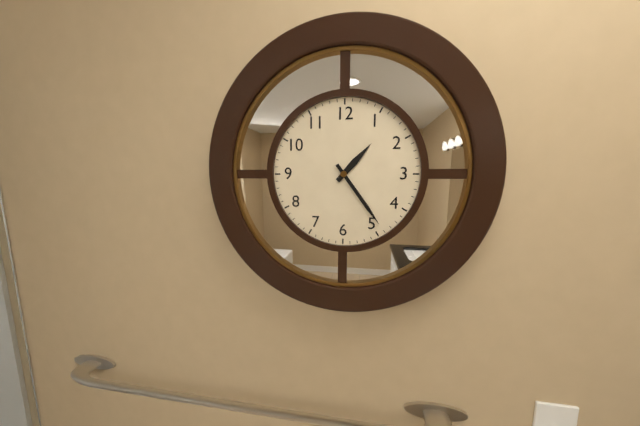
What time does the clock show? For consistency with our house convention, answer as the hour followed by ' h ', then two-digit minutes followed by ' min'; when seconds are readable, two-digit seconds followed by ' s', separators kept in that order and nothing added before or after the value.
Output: 1 h 24 min
